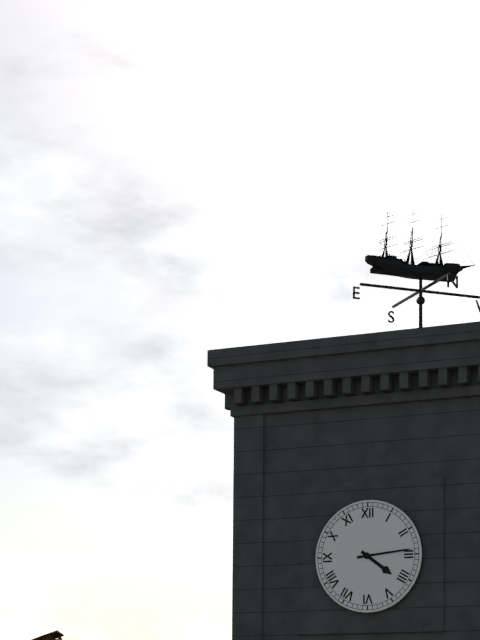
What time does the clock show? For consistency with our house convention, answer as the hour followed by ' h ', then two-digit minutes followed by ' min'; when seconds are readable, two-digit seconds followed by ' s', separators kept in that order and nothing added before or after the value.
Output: 4 h 14 min
